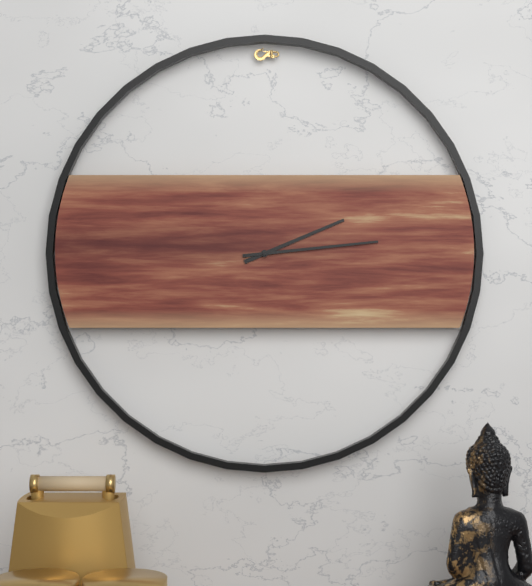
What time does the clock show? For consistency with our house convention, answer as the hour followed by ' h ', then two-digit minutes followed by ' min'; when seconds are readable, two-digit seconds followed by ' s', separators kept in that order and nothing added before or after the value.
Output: 2 h 14 min
